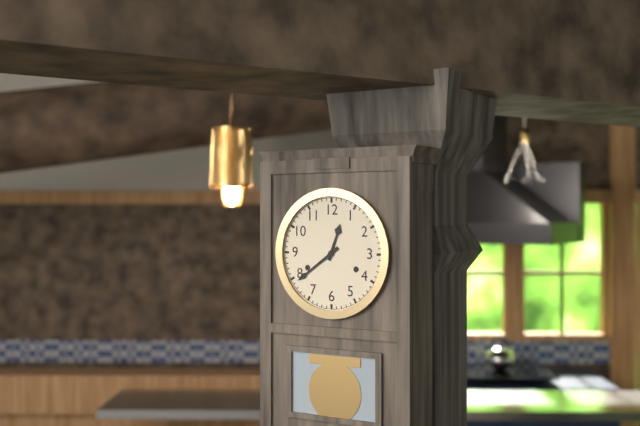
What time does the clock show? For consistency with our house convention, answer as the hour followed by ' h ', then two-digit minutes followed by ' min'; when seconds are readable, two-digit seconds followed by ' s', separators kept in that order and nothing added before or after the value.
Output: 12 h 39 min
